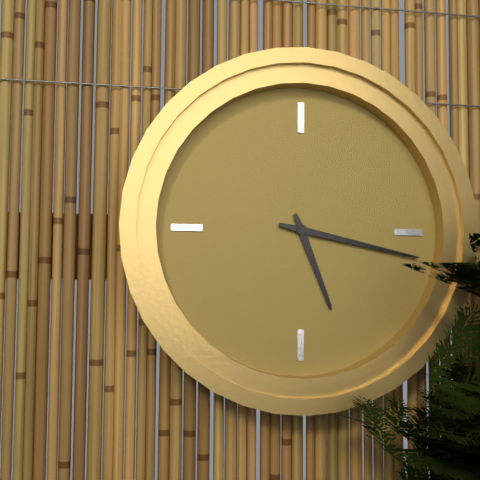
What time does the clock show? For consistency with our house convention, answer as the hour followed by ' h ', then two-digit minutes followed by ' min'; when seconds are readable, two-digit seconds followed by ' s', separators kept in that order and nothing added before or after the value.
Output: 5 h 17 min
